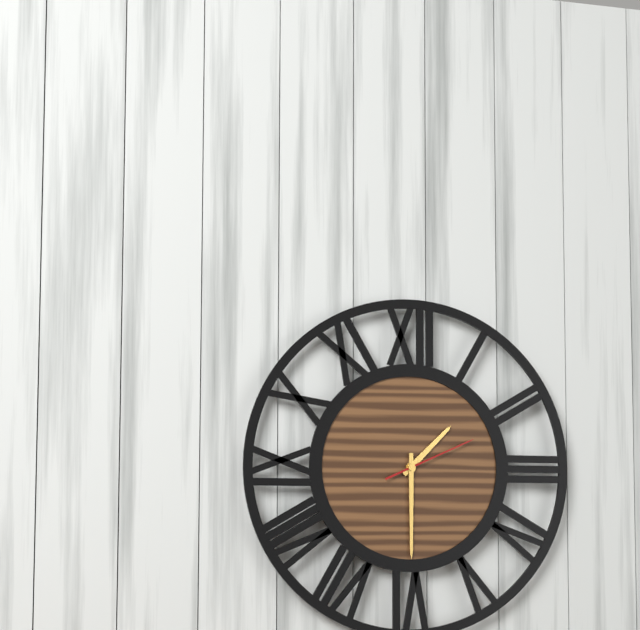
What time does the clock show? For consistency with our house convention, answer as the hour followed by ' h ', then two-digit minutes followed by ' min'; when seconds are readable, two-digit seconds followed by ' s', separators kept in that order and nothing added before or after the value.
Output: 1 h 30 min 11 s
